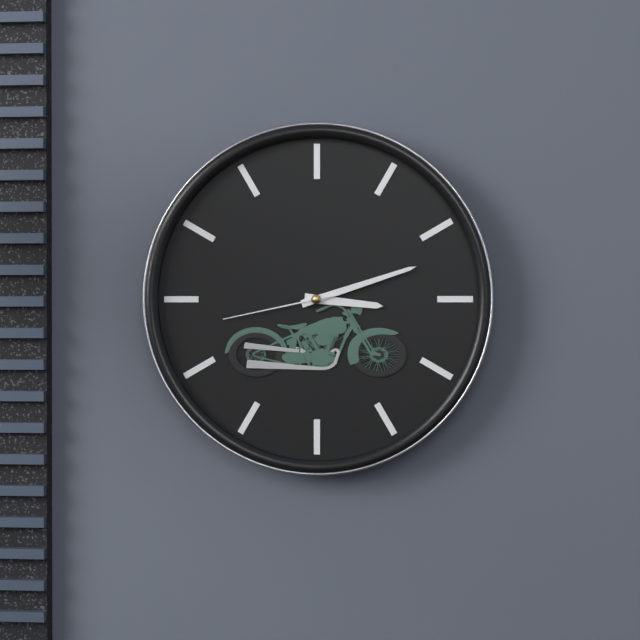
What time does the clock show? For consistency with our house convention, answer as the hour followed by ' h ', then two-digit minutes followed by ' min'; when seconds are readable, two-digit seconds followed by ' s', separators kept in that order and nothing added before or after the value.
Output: 3 h 12 min 43 s
